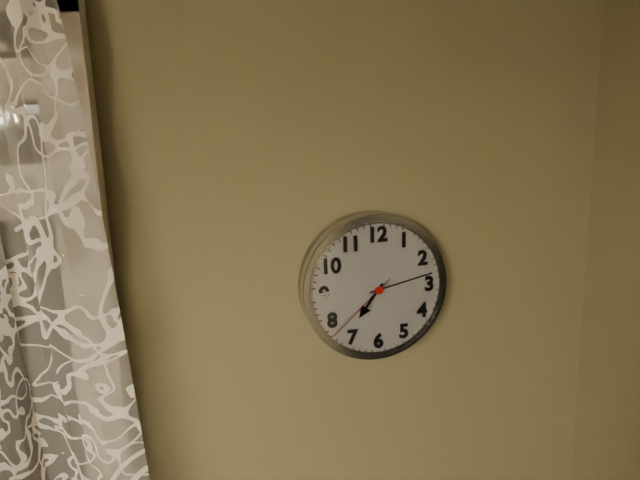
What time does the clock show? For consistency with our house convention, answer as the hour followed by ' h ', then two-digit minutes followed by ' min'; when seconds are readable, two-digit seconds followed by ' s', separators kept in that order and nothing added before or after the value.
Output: 7 h 13 min 38 s
